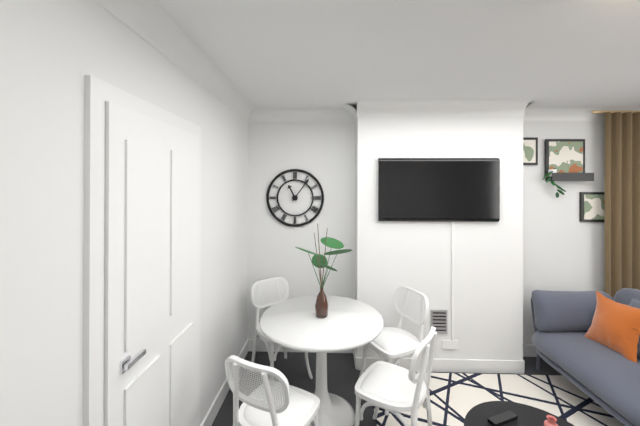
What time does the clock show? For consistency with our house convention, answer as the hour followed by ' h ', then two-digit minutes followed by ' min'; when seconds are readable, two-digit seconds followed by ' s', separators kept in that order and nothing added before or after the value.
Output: 11 h 06 min
